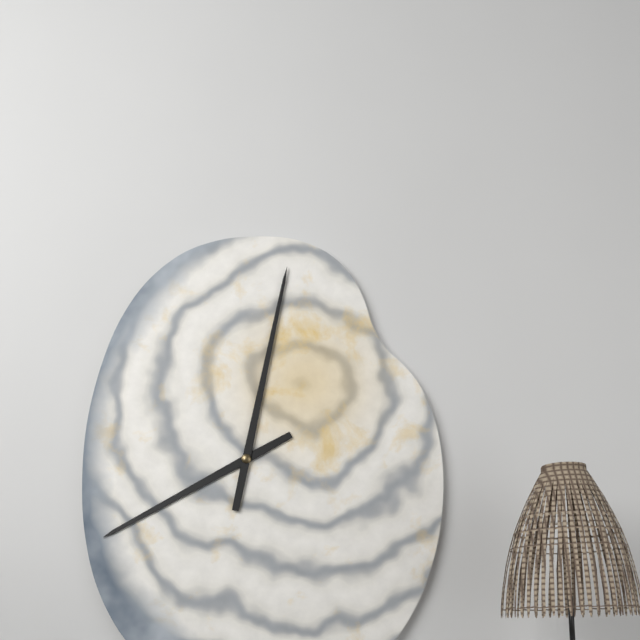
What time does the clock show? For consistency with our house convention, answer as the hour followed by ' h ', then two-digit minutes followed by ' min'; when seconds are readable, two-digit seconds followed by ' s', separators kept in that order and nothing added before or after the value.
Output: 8 h 02 min
